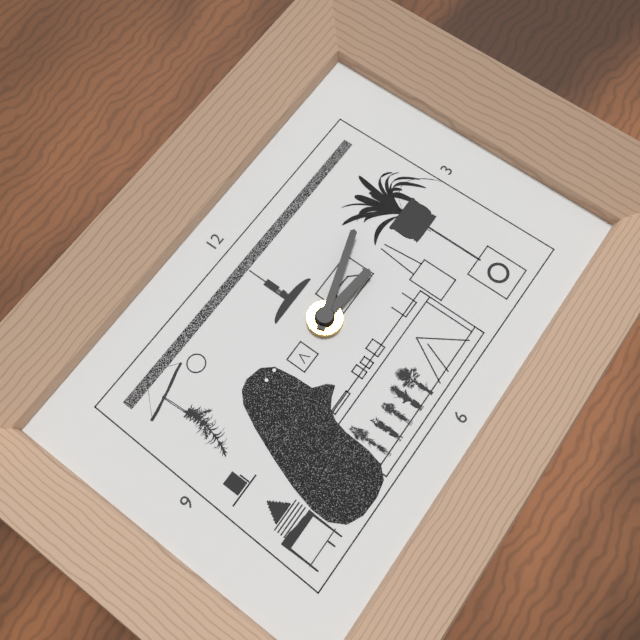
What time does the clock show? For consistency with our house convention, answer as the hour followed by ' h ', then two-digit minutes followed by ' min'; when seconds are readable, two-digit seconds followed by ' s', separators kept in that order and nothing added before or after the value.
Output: 3 h 12 min
